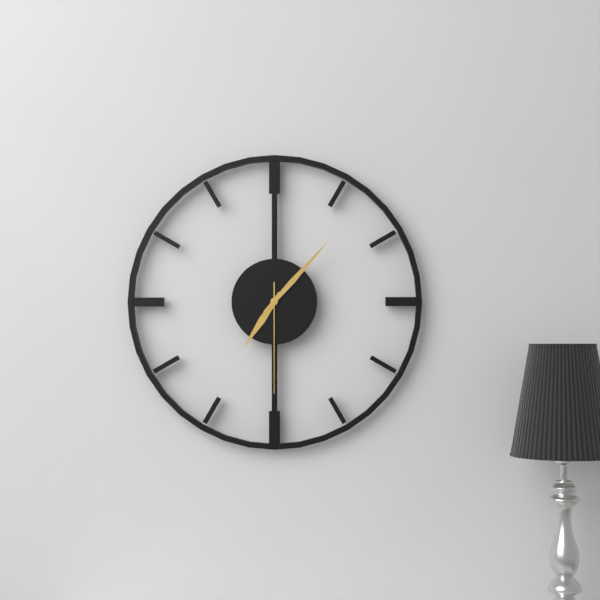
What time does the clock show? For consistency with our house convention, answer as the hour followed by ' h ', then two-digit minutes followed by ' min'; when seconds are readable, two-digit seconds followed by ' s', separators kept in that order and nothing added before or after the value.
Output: 7 h 07 min 30 s
